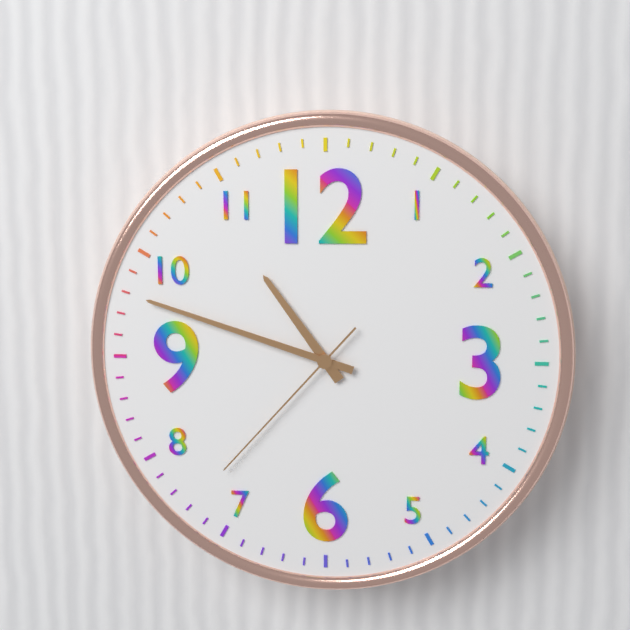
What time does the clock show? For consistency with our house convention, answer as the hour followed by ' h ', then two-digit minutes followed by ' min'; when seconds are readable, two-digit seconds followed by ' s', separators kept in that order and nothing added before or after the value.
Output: 10 h 48 min 37 s
